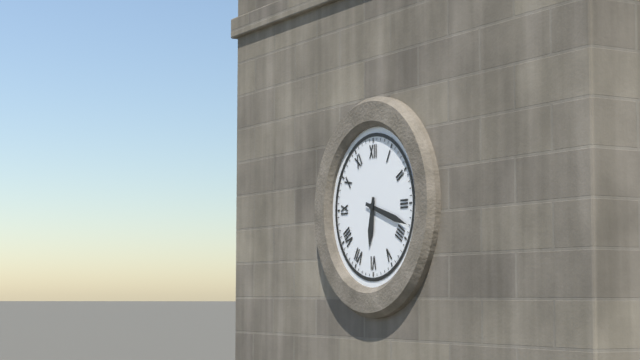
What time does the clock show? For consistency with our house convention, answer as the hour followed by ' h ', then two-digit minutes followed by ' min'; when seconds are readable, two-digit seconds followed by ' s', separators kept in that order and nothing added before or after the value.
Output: 6 h 18 min
